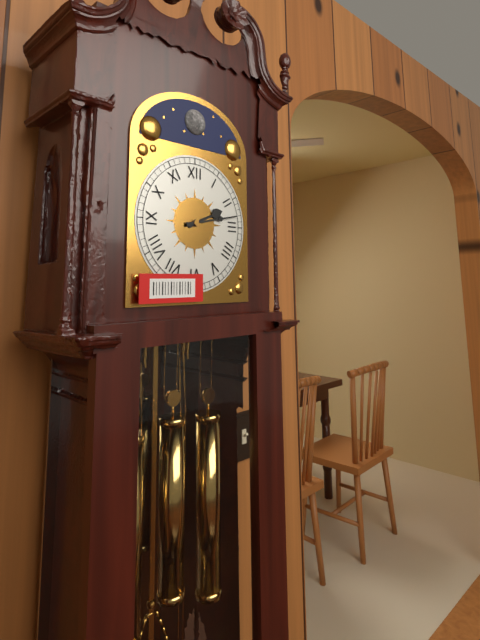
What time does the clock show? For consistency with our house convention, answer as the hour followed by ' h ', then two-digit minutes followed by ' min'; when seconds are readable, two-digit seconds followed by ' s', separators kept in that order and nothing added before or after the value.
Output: 2 h 13 min
